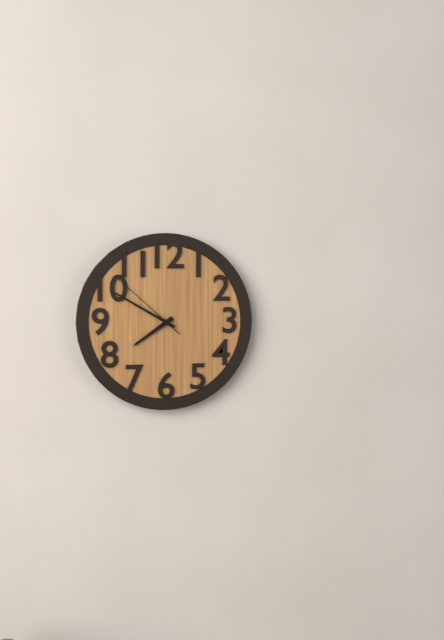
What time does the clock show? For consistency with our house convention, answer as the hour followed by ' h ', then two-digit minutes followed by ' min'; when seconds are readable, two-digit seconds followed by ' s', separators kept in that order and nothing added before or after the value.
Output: 7 h 50 min 52 s
